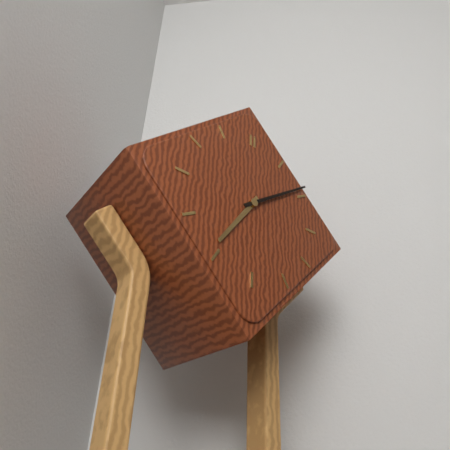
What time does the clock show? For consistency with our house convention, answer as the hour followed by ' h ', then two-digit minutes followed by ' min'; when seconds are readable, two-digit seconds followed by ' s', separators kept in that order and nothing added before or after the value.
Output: 7 h 09 min
